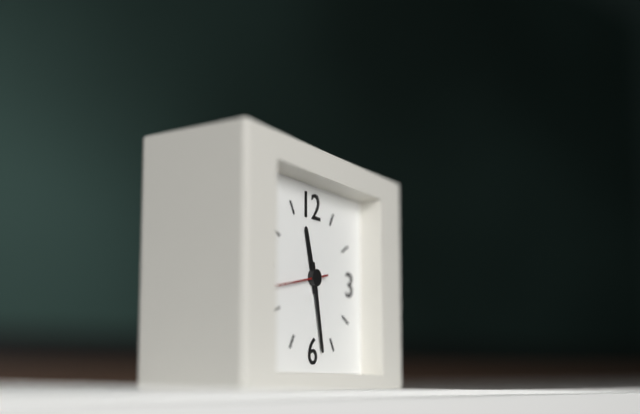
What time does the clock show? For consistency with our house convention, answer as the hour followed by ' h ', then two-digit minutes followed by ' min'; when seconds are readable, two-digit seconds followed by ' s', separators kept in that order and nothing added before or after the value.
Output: 11 h 28 min 43 s
